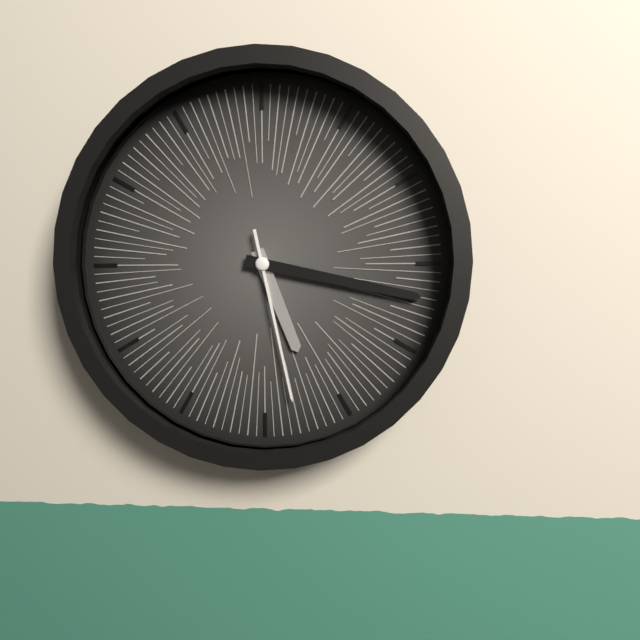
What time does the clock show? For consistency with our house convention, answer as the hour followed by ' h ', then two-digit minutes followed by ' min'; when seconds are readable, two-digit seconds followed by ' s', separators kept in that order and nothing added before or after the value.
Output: 5 h 17 min 28 s
